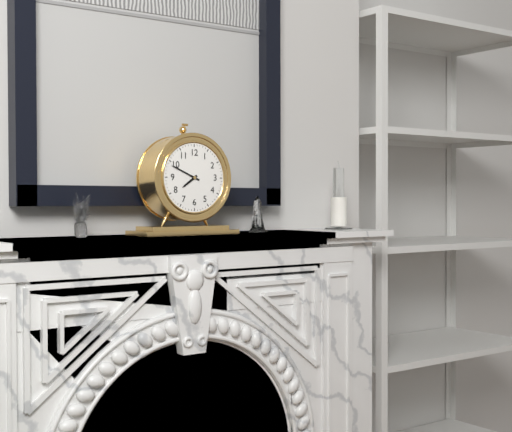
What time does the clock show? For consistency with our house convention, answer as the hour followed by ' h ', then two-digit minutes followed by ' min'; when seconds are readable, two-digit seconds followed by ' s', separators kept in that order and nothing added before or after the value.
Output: 7 h 49 min
